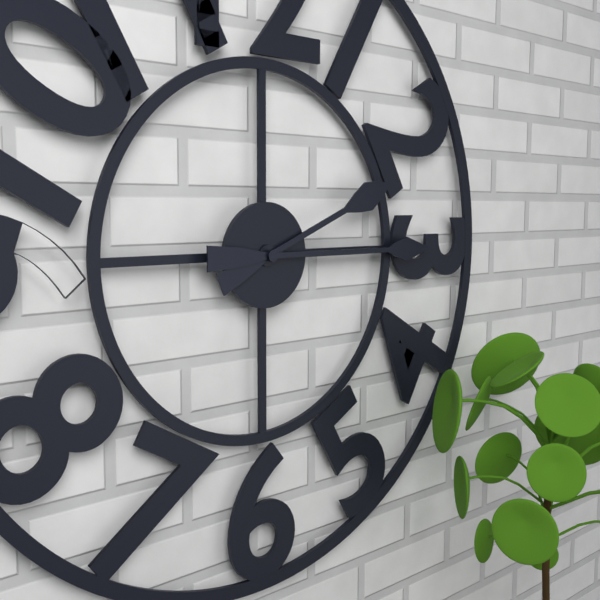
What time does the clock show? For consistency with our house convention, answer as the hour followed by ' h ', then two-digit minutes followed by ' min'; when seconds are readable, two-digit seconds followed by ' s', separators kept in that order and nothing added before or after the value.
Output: 2 h 15 min
